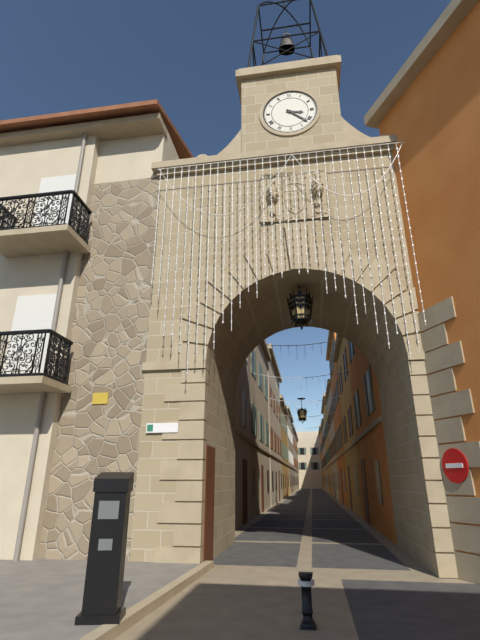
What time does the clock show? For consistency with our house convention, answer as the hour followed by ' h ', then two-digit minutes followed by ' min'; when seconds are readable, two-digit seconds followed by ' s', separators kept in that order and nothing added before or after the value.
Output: 3 h 22 min
